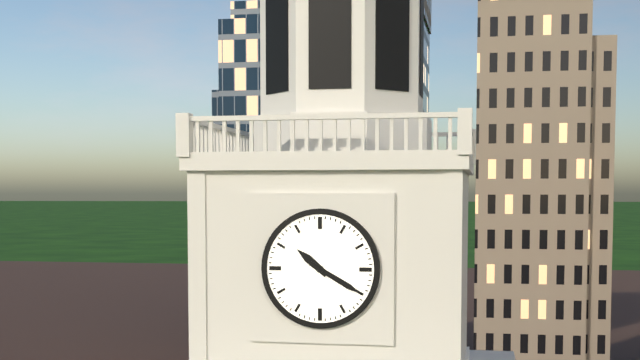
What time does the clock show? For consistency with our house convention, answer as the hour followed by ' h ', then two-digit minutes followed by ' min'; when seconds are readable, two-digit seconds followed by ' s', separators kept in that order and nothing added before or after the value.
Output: 10 h 20 min
